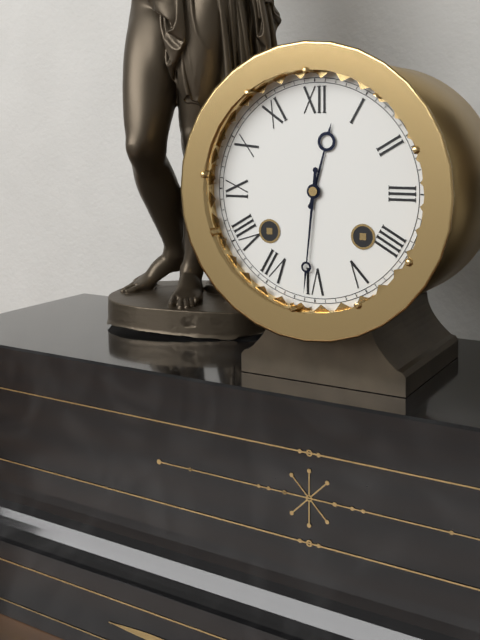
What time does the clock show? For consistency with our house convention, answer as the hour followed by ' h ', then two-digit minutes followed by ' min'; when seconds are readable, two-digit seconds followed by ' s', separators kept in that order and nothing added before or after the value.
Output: 12 h 31 min
